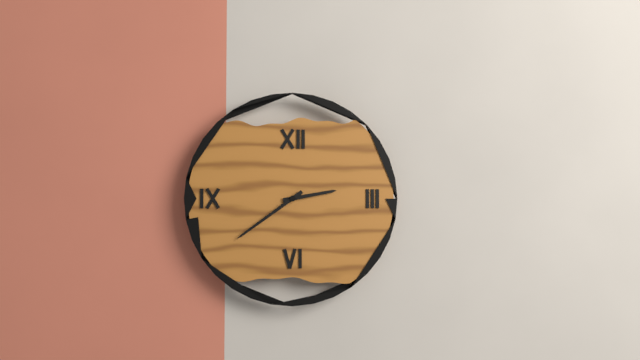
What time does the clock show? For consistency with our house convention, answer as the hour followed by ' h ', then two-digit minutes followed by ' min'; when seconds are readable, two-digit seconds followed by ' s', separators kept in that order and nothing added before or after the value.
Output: 2 h 39 min
